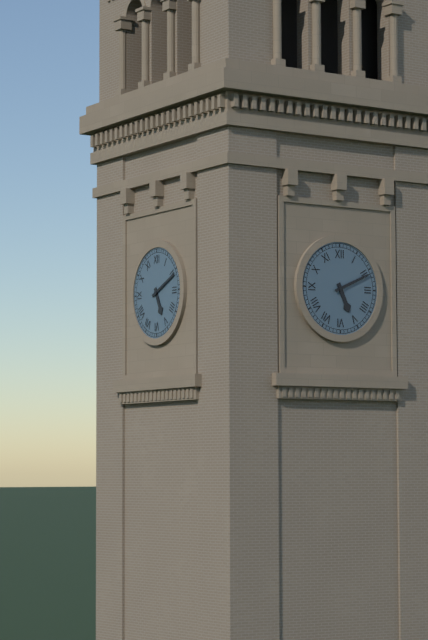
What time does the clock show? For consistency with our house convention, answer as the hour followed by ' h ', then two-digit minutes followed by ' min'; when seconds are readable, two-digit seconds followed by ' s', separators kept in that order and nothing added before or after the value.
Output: 5 h 11 min
